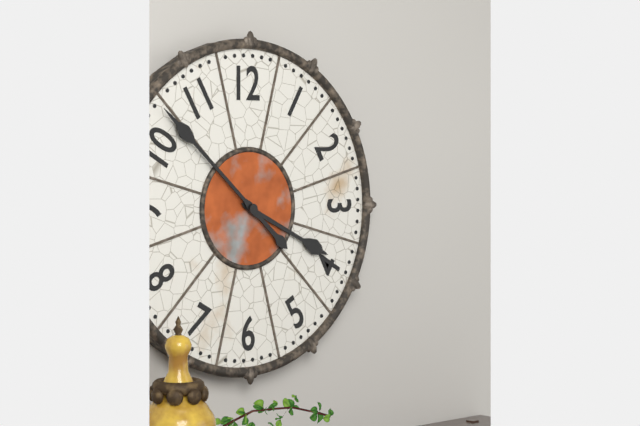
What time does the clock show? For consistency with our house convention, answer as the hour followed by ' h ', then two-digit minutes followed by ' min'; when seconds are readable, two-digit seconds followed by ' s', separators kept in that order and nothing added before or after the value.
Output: 3 h 52 min
